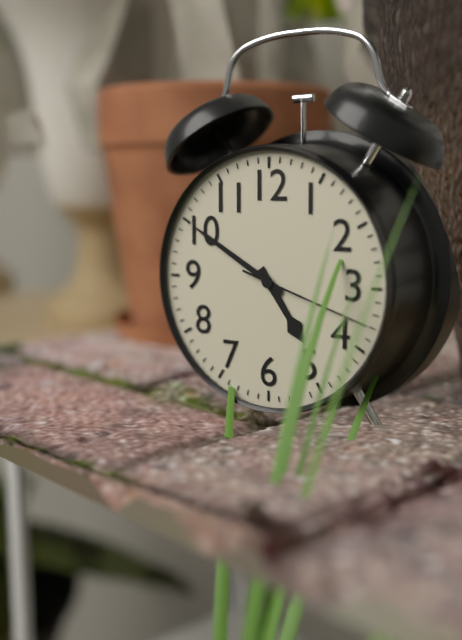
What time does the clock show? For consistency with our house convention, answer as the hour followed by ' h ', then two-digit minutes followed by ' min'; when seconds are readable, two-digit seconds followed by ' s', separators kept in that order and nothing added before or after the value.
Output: 4 h 50 min 18 s
